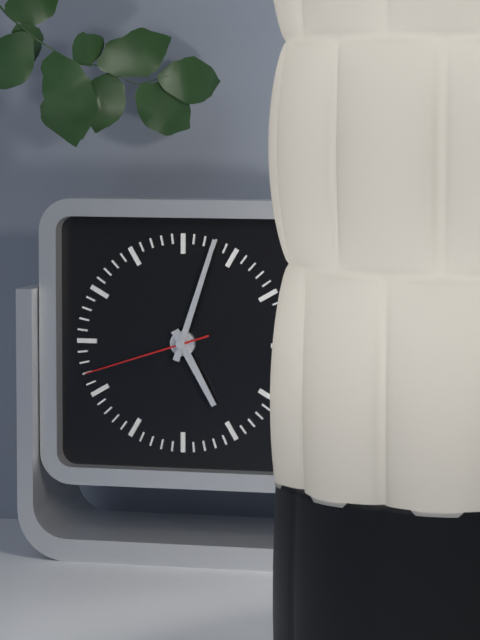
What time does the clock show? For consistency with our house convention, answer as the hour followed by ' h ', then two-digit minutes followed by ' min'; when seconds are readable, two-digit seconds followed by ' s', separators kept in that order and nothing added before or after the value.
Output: 5 h 03 min 42 s
